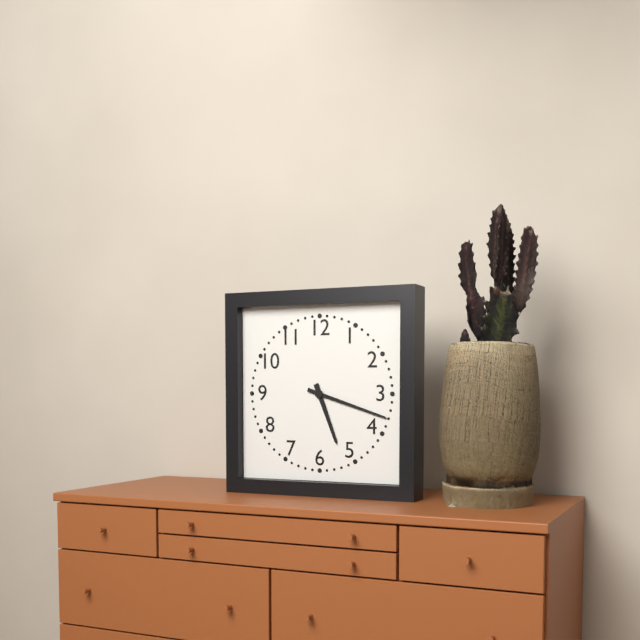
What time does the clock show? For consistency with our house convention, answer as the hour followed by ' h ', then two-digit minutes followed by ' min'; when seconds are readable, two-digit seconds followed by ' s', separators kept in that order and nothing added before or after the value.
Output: 5 h 18 min
